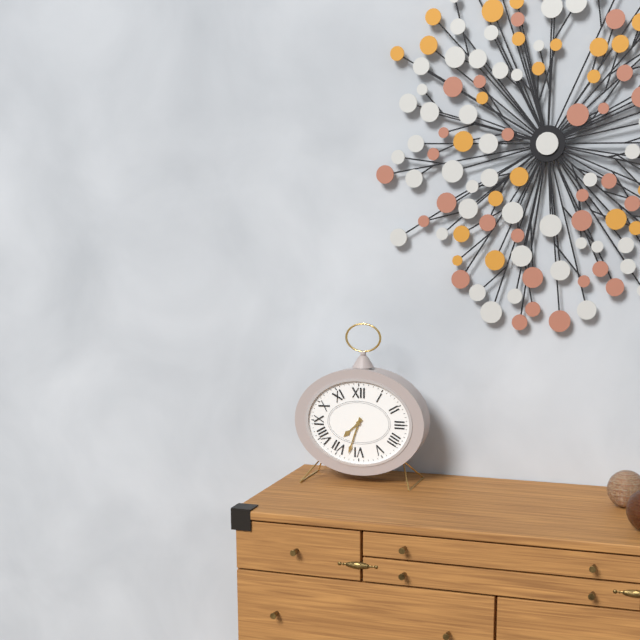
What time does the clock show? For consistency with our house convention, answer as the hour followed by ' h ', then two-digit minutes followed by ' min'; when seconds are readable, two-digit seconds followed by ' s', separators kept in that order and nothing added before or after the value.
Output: 7 h 33 min
